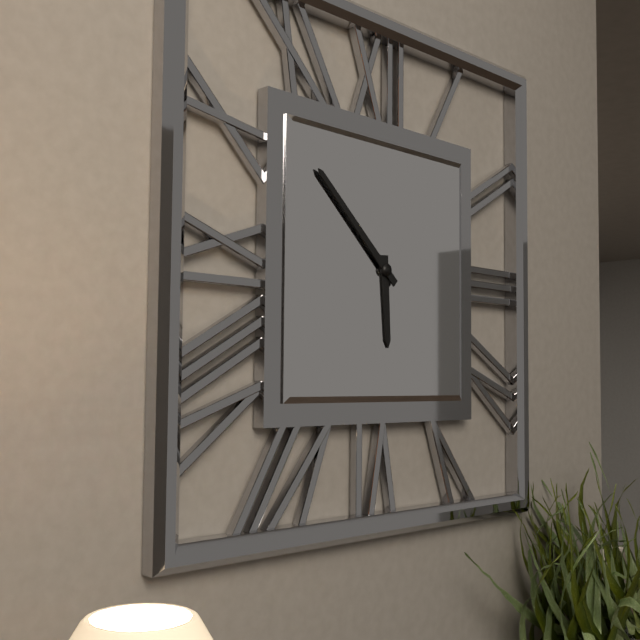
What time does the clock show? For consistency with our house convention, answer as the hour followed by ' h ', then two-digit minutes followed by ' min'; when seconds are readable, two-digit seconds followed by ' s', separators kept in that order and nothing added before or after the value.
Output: 5 h 52 min
